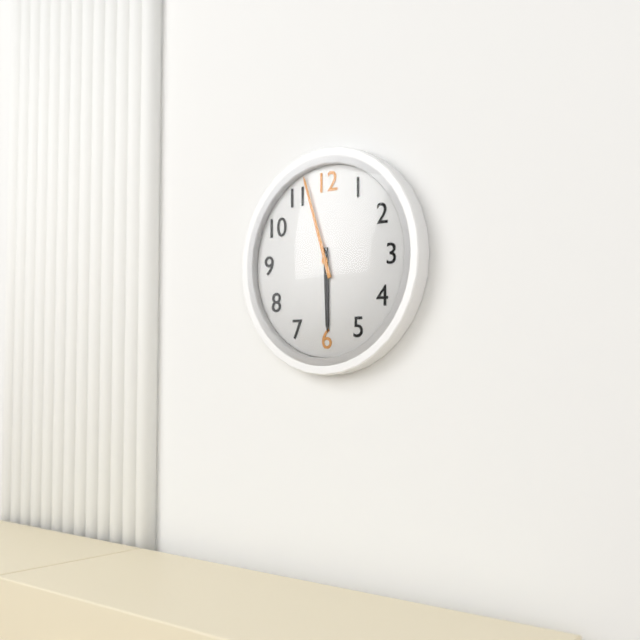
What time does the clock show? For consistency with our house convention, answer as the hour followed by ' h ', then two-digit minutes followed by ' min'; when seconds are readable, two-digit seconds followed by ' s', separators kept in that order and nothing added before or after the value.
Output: 5 h 57 min
